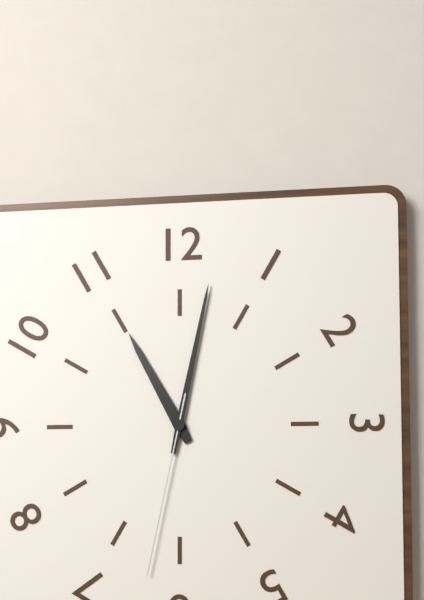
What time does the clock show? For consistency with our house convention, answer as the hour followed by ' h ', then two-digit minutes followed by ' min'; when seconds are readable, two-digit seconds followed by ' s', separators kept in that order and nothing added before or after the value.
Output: 11 h 02 min 32 s
